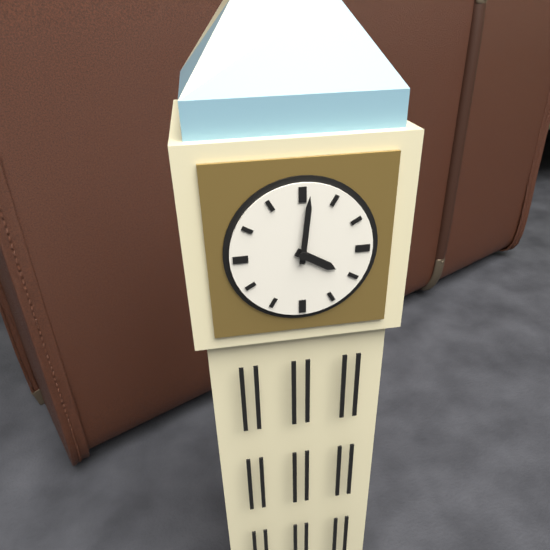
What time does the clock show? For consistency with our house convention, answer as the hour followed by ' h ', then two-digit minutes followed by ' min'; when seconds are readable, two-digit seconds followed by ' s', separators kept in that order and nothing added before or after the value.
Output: 4 h 01 min
